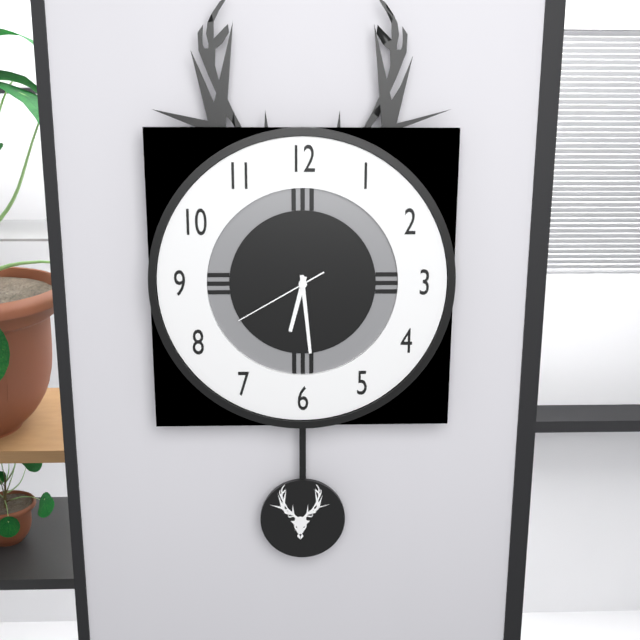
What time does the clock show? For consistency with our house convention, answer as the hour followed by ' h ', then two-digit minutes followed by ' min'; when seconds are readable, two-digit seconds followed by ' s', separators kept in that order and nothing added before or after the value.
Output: 6 h 29 min 40 s
